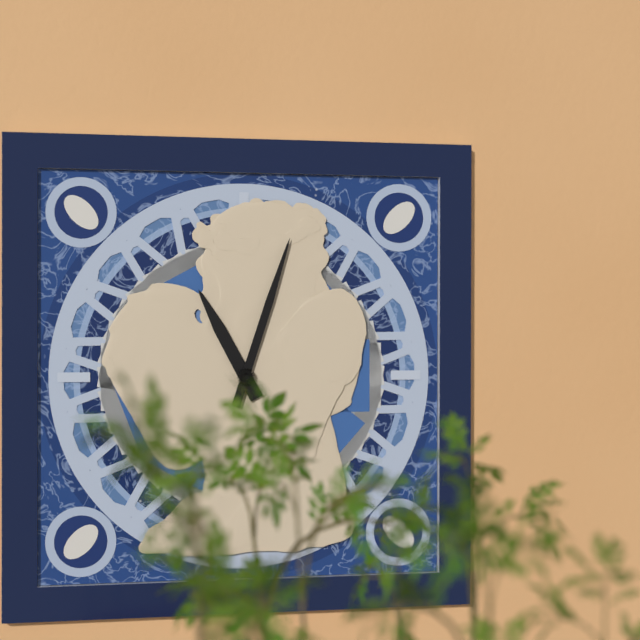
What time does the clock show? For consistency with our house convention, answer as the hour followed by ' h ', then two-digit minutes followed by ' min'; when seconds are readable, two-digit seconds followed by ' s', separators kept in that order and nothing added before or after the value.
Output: 11 h 03 min
